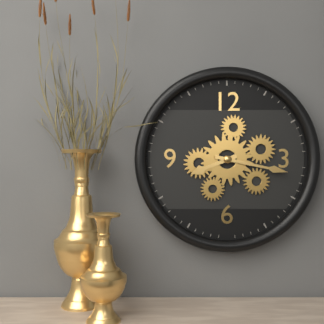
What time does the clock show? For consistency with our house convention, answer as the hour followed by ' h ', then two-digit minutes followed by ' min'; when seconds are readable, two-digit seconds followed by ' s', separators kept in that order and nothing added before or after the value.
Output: 8 h 17 min
